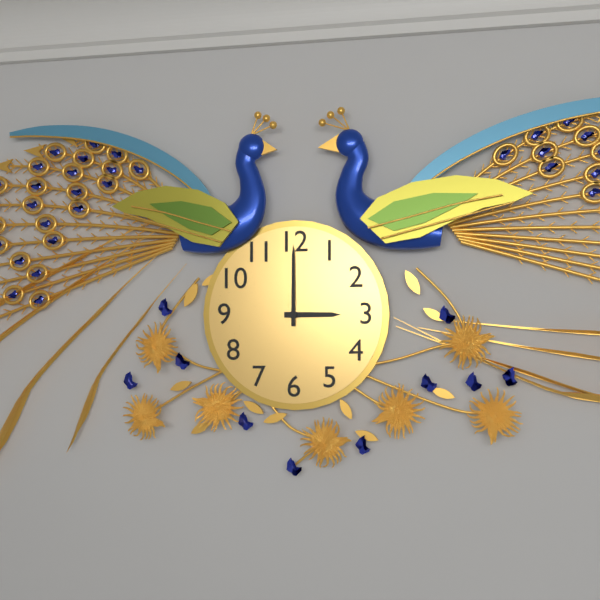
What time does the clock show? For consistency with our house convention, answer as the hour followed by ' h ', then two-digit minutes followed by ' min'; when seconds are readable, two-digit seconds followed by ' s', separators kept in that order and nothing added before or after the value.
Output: 3 h 00 min
